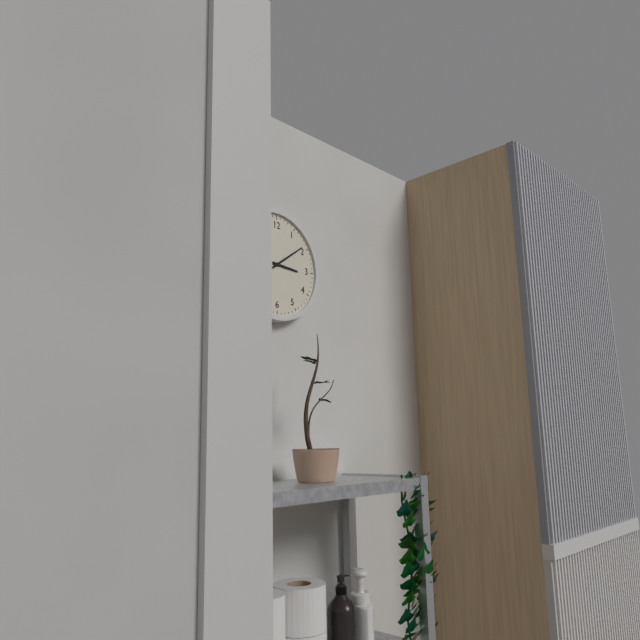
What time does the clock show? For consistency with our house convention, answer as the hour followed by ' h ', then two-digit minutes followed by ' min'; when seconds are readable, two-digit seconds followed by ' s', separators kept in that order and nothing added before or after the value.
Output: 3 h 09 min
